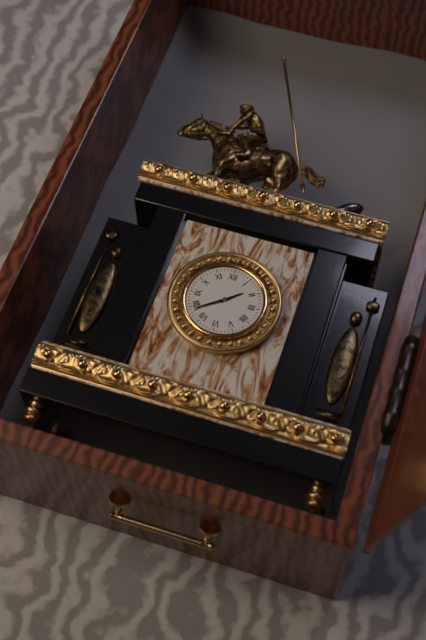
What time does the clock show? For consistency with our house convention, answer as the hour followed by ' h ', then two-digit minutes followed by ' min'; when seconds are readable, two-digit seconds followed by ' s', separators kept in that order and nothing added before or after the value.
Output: 1 h 39 min
